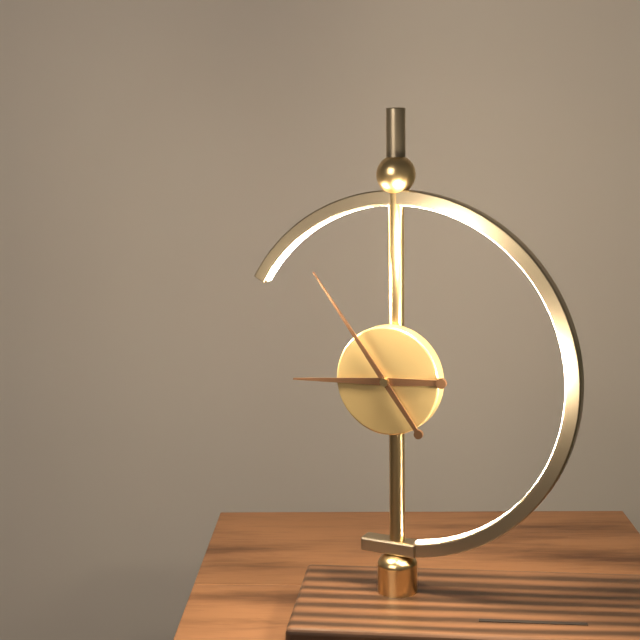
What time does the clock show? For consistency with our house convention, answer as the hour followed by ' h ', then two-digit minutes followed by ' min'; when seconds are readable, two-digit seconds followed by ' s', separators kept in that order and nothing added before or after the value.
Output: 8 h 54 min
